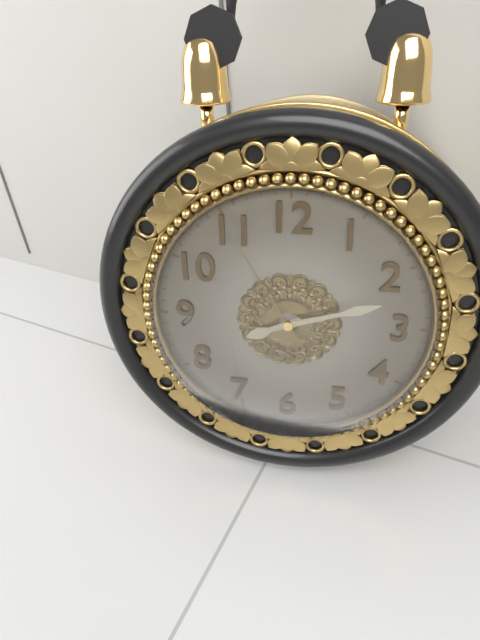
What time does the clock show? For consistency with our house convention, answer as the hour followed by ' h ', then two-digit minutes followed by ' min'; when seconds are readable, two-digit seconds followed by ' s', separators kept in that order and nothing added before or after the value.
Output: 8 h 12 min 55 s
